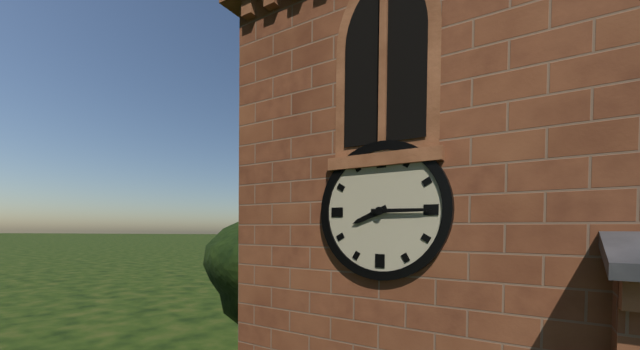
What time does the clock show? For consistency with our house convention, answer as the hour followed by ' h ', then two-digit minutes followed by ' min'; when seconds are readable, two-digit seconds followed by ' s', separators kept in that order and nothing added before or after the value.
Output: 8 h 15 min
